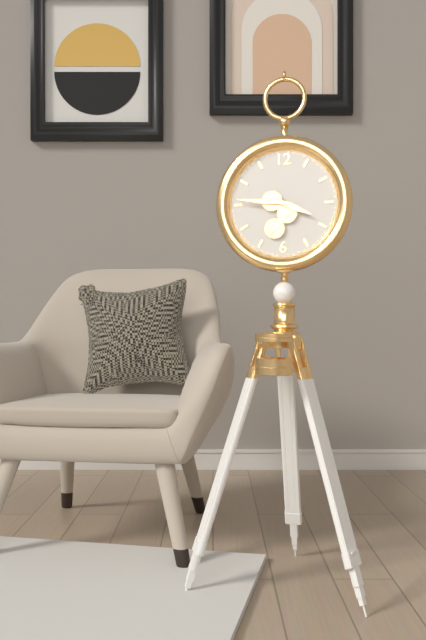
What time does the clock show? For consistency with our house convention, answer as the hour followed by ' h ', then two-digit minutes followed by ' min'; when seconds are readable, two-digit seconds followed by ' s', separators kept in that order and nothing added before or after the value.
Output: 3 h 46 min
